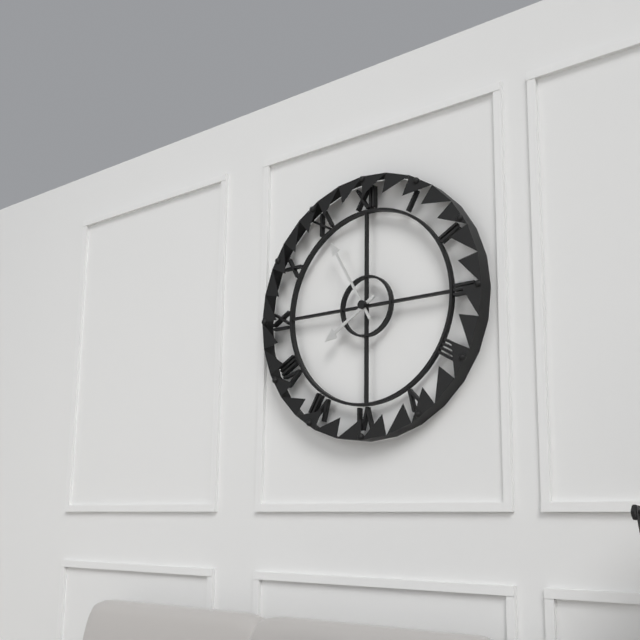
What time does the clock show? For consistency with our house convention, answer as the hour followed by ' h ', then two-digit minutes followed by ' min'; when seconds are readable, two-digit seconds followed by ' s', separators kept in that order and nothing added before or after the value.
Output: 7 h 55 min
